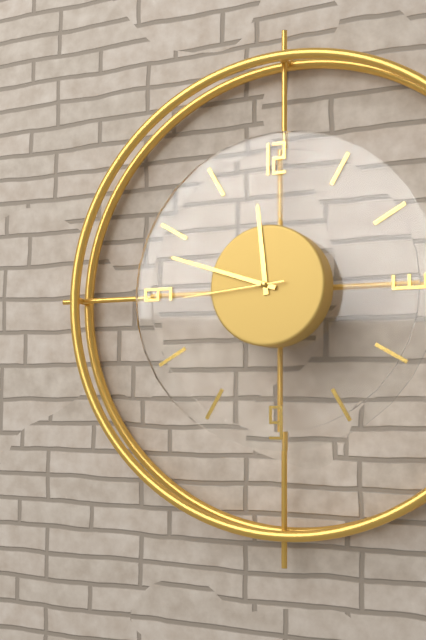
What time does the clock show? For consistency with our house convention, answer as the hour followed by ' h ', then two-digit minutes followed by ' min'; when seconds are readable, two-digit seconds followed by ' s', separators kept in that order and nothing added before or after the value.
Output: 11 h 48 min 44 s
